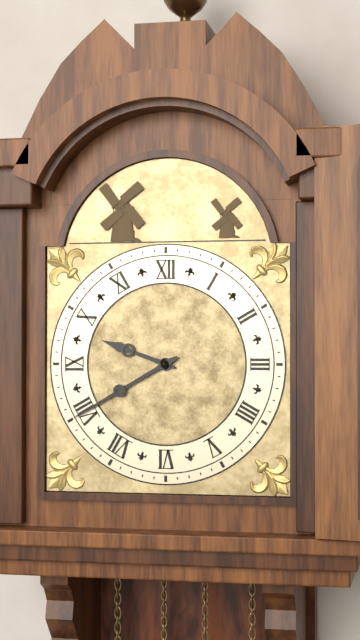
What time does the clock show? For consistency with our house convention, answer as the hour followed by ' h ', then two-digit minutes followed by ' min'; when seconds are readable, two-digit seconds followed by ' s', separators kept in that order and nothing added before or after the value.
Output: 9 h 40 min
